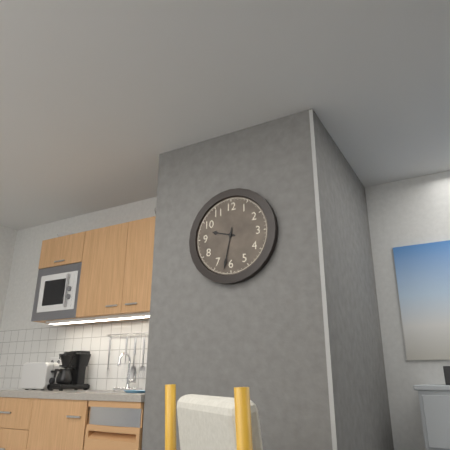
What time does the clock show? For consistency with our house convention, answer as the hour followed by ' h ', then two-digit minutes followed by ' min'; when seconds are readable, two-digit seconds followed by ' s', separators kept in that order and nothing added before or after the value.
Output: 9 h 32 min
